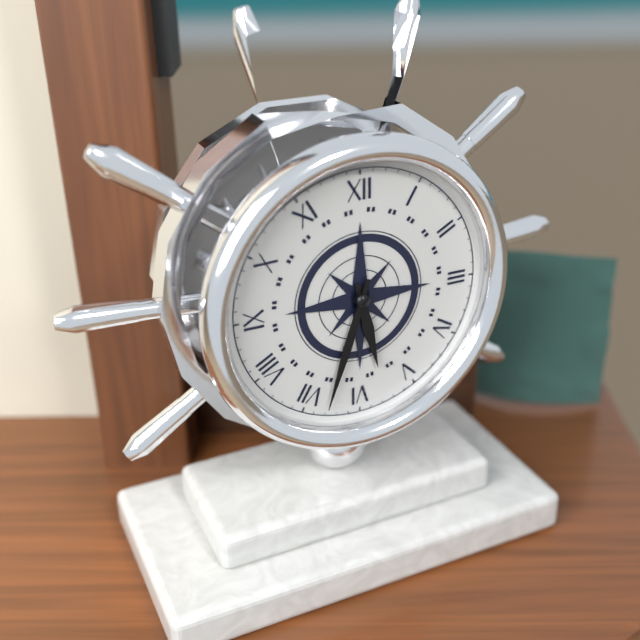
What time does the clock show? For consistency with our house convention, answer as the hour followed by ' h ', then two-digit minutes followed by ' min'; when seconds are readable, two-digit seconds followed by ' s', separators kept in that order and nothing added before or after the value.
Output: 5 h 33 min
